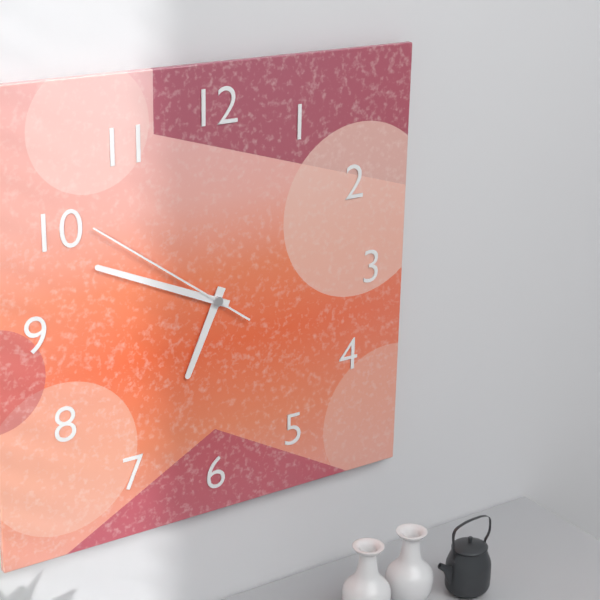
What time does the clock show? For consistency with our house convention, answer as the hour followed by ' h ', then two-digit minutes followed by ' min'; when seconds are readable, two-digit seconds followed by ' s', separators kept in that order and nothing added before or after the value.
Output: 6 h 49 min 51 s
